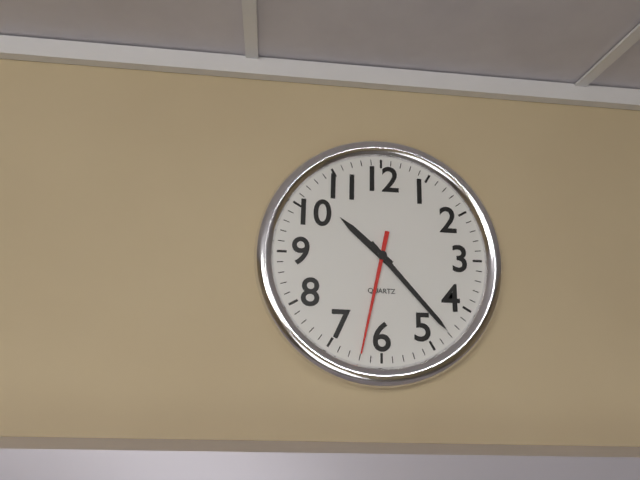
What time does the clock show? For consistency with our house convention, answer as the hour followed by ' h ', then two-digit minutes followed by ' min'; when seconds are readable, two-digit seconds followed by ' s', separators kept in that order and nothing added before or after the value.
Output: 10 h 23 min 32 s
